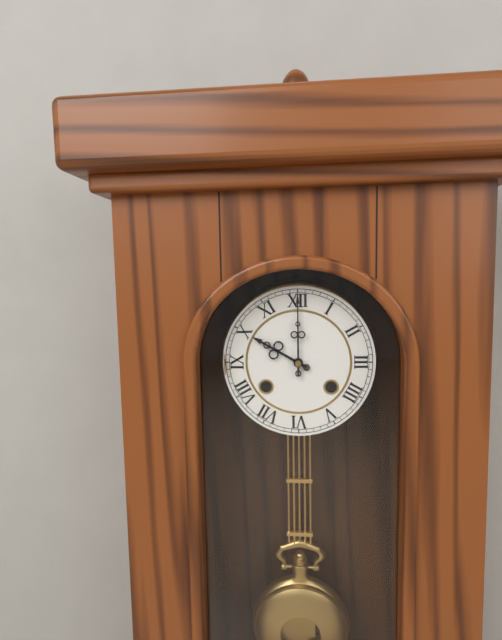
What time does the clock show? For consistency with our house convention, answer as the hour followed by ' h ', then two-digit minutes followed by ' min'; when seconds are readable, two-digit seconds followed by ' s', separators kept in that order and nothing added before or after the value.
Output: 10 h 00 min
